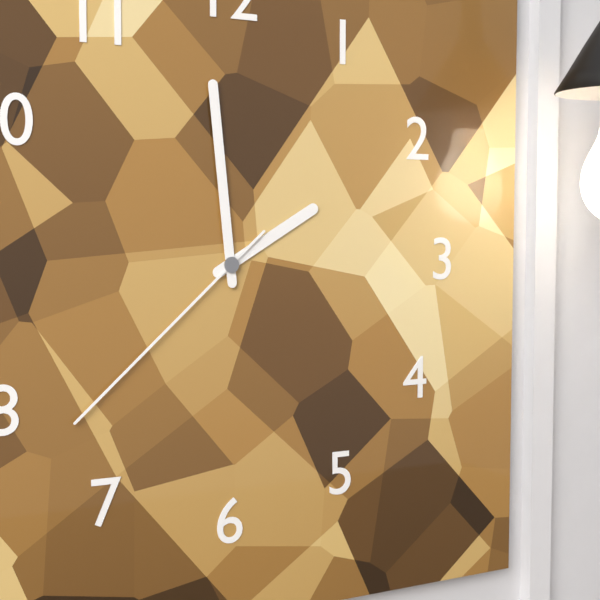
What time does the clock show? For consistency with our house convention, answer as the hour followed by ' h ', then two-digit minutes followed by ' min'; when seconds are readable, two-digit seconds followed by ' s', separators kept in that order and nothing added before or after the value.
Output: 1 h 59 min 38 s
